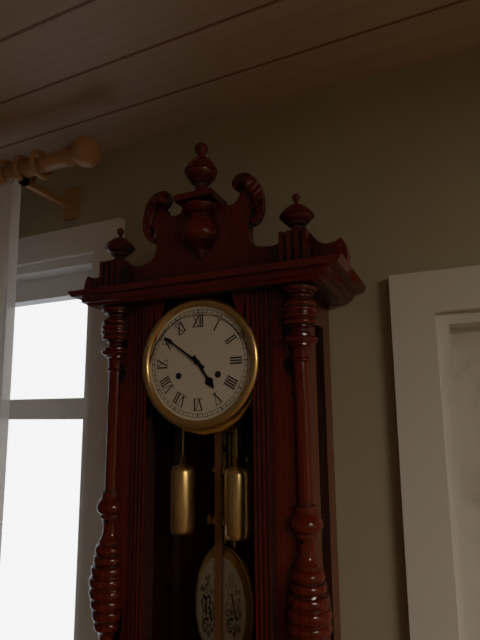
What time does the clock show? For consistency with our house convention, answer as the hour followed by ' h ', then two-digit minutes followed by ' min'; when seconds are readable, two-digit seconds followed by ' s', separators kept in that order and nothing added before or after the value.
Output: 4 h 51 min
